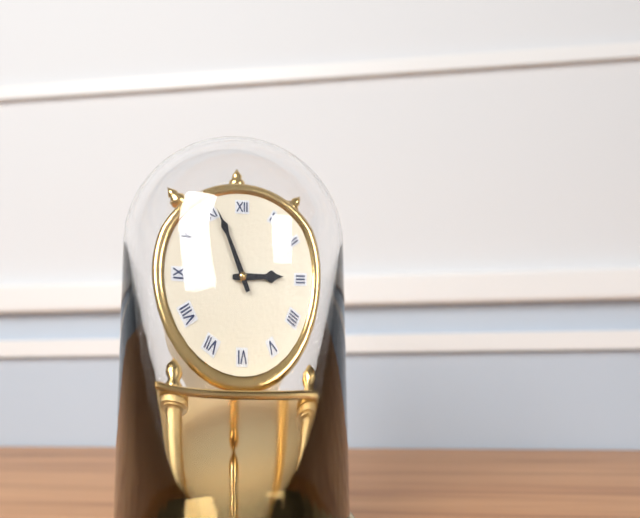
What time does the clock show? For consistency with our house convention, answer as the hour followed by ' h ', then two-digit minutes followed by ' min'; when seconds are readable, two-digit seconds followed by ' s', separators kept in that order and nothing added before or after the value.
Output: 2 h 56 min
